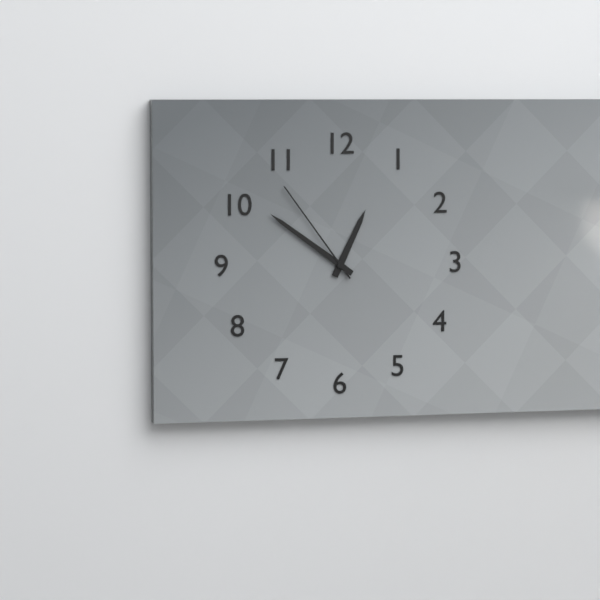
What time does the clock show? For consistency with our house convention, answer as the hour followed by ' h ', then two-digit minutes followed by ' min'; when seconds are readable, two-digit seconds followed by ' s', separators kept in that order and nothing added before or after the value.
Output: 12 h 51 min 54 s
